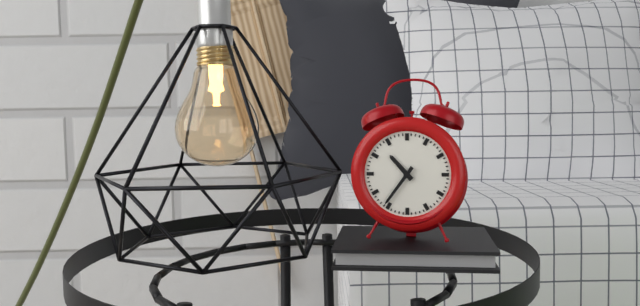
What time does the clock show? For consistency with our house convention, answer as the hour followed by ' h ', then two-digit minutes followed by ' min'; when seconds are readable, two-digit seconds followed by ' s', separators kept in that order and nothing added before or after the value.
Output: 10 h 36 min
